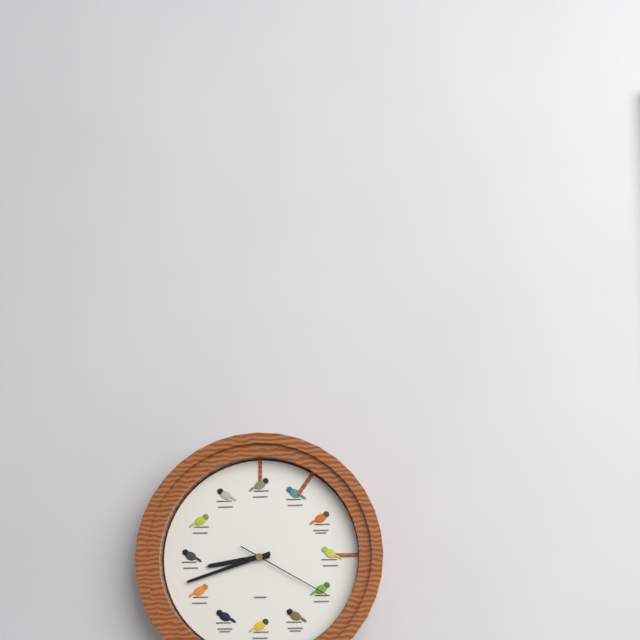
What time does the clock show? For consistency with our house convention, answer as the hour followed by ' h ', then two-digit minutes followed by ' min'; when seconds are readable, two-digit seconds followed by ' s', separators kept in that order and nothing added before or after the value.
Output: 8 h 42 min 20 s
